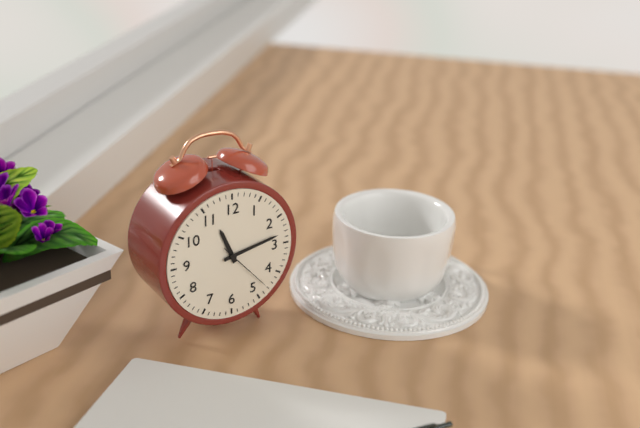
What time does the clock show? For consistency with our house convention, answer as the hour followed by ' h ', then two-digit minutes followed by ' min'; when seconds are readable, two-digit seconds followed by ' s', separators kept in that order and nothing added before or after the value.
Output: 11 h 13 min 23 s
